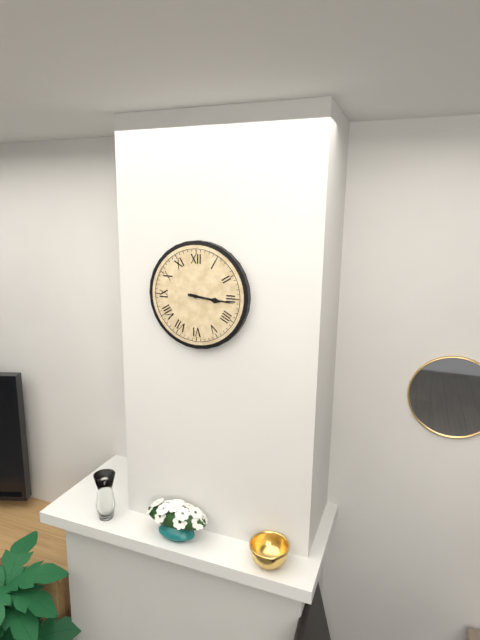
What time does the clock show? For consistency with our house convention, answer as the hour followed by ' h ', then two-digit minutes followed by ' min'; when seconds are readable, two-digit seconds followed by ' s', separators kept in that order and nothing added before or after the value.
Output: 3 h 16 min
